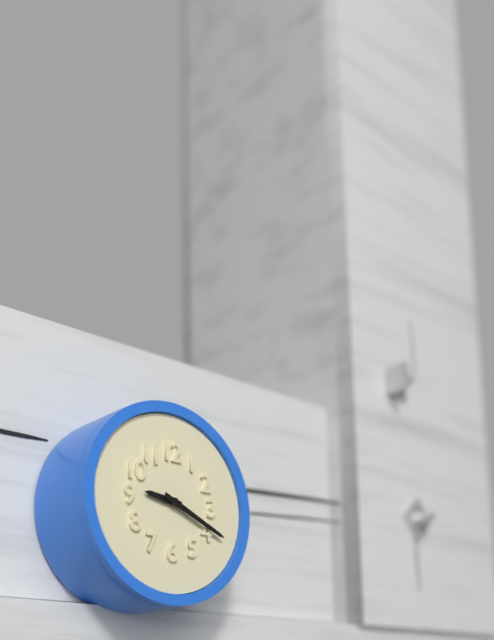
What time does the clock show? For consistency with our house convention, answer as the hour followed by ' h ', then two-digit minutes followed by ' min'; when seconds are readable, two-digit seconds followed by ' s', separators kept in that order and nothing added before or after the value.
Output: 9 h 19 min
